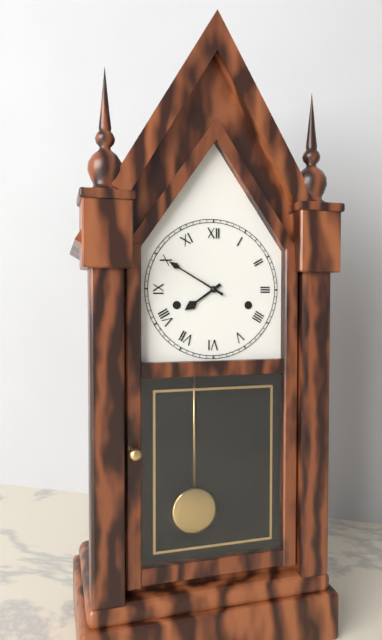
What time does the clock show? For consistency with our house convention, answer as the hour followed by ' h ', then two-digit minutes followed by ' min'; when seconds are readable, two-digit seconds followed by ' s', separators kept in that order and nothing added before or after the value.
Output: 7 h 50 min
